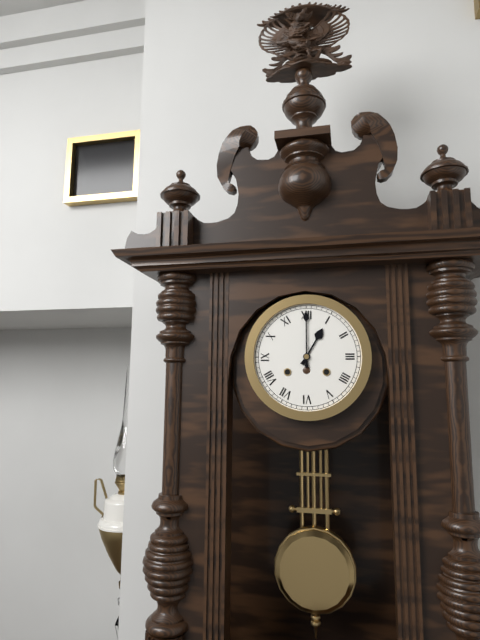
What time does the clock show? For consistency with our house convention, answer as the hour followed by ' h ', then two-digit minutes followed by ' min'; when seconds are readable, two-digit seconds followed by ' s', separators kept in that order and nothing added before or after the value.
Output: 1 h 00 min
